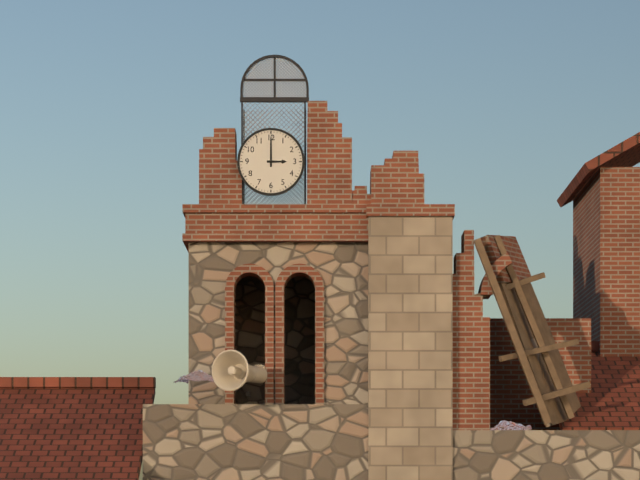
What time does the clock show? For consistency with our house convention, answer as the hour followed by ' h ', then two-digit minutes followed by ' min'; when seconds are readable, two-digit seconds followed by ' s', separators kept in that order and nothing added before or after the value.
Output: 3 h 00 min
